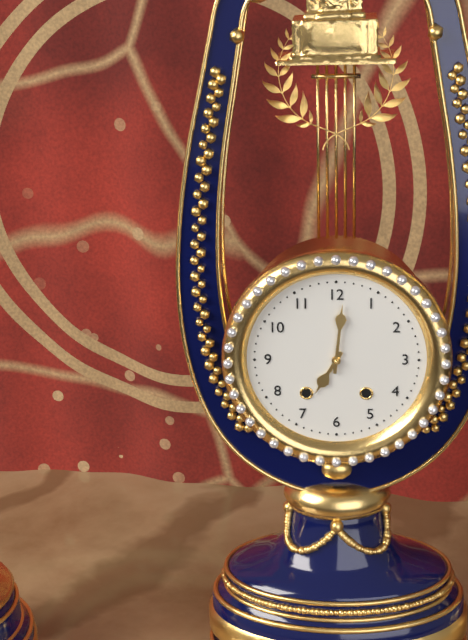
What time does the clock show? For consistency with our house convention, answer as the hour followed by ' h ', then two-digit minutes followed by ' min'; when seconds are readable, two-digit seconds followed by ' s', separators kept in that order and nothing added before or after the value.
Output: 7 h 01 min
